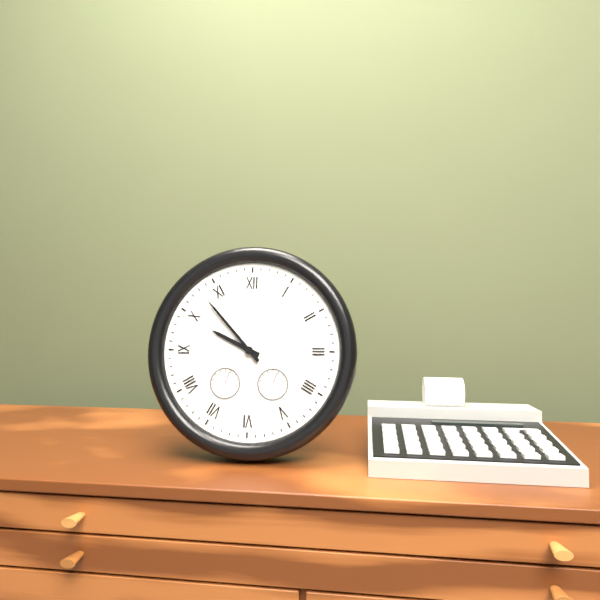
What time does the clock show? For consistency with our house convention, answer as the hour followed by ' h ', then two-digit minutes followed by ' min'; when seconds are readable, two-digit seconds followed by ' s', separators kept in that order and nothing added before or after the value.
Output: 9 h 53 min
